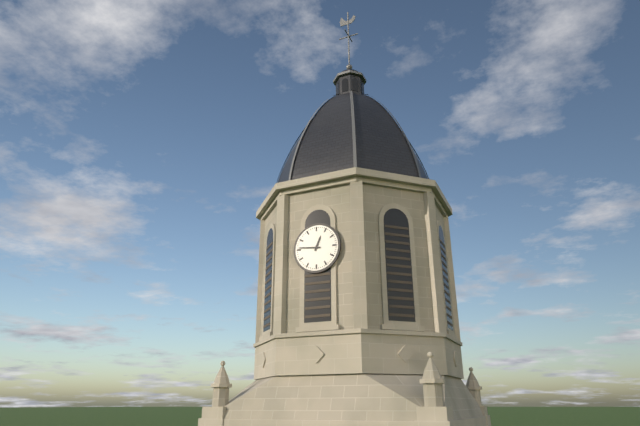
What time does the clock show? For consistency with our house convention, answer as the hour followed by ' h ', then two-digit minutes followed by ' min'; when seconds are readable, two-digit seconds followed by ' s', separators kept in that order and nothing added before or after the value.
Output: 12 h 46 min
